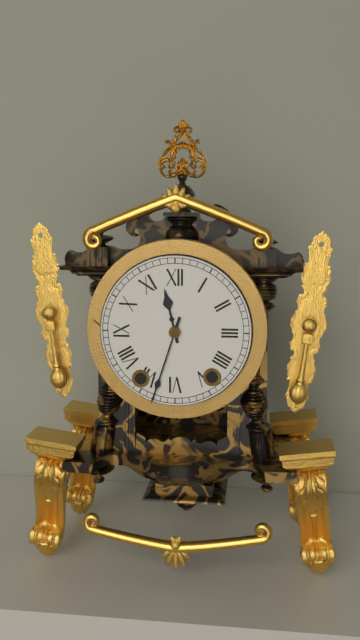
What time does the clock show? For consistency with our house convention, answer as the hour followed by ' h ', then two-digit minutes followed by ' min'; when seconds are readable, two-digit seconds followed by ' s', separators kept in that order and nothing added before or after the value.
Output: 11 h 33 min
